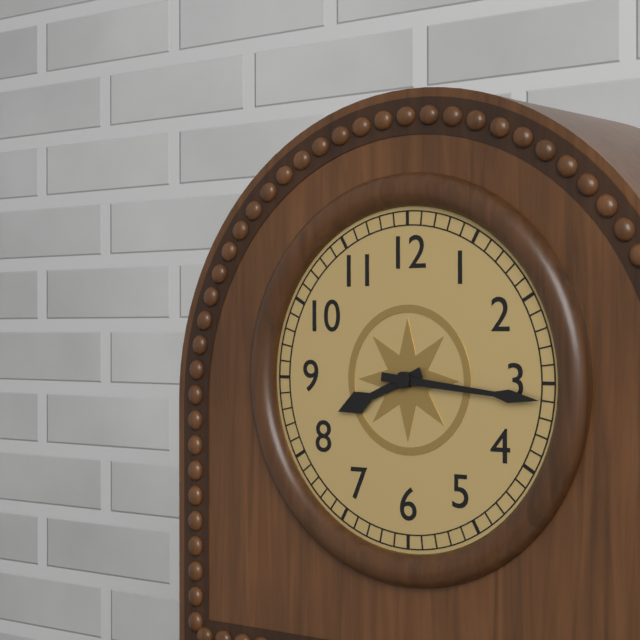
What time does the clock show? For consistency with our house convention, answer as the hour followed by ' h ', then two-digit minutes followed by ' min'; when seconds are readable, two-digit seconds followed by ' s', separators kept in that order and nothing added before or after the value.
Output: 8 h 16 min
